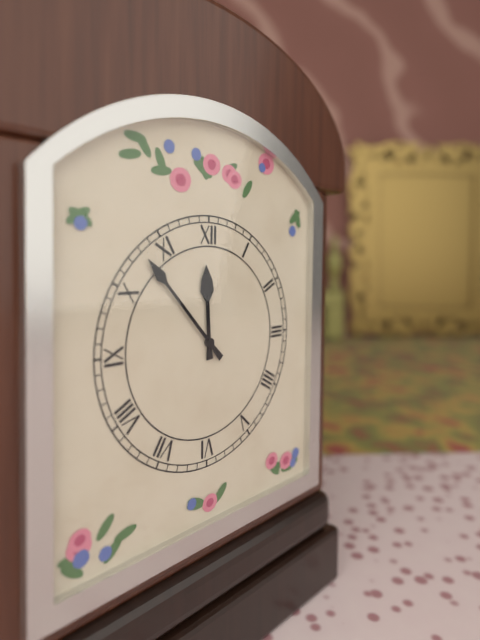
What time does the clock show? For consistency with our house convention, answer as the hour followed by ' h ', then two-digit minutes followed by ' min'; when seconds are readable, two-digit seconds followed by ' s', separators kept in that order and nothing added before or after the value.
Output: 11 h 53 min
